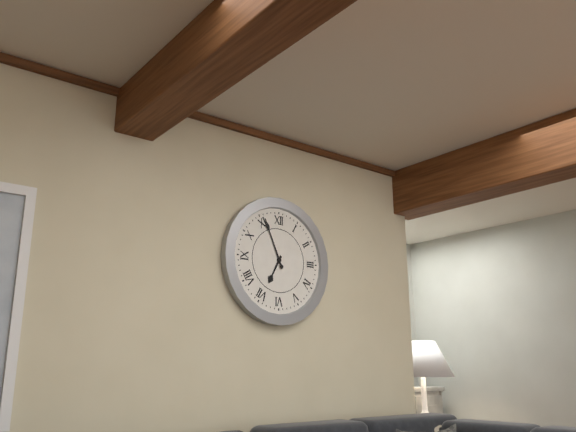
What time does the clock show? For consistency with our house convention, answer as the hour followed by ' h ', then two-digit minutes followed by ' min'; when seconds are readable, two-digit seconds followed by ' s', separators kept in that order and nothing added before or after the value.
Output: 6 h 56 min
